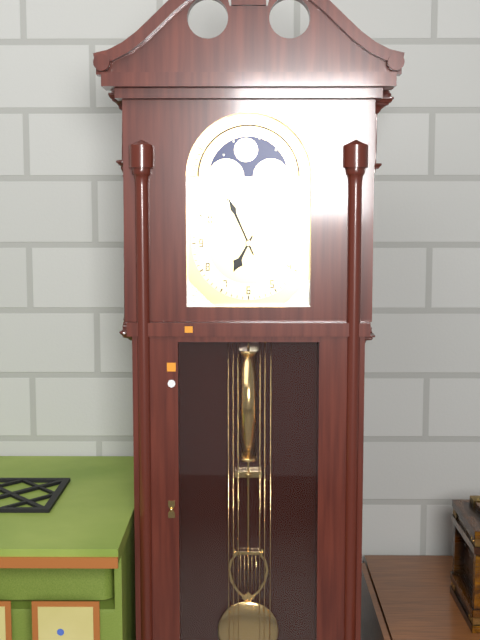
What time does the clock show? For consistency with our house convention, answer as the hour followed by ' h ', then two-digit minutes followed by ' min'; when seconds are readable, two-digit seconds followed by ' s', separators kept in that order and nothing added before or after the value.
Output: 6 h 56 min
